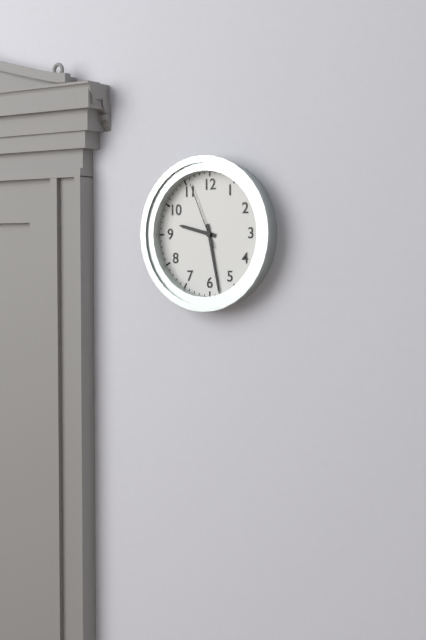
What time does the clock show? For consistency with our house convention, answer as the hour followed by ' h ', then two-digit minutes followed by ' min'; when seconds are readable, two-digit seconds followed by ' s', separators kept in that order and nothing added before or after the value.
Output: 9 h 28 min 56 s
